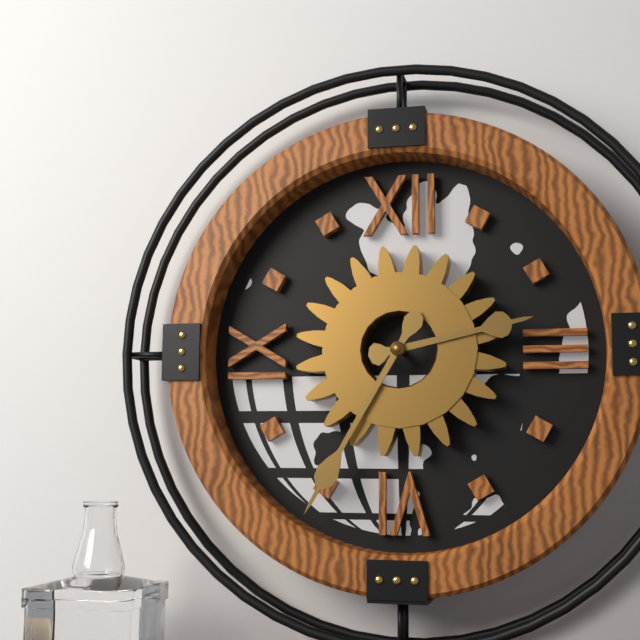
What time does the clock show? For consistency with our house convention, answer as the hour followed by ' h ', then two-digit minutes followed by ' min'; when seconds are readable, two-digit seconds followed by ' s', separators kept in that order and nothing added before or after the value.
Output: 2 h 35 min
